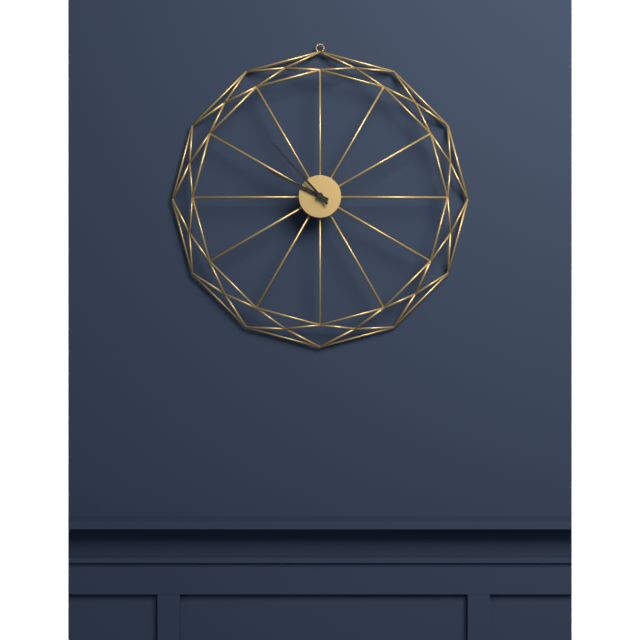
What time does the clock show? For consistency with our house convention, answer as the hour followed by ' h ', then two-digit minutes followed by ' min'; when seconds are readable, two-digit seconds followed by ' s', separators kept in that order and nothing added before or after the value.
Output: 9 h 53 min
